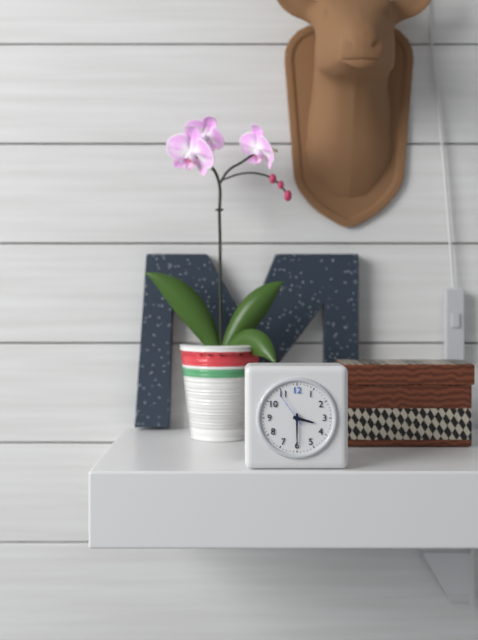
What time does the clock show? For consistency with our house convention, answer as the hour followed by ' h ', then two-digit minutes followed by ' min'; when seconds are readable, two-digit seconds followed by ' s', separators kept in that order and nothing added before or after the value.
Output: 3 h 30 min
